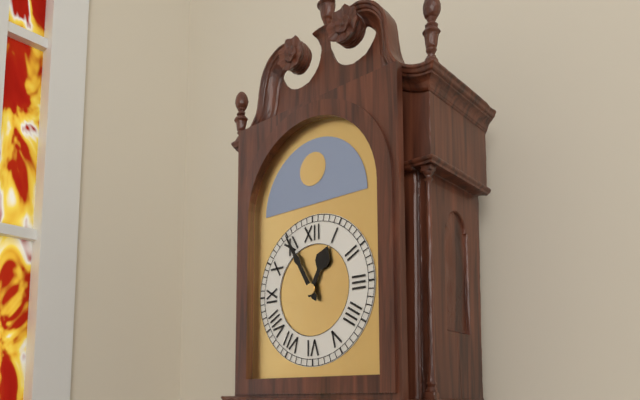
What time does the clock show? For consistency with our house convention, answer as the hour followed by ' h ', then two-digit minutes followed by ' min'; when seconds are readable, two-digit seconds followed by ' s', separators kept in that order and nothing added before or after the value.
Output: 12 h 55 min
